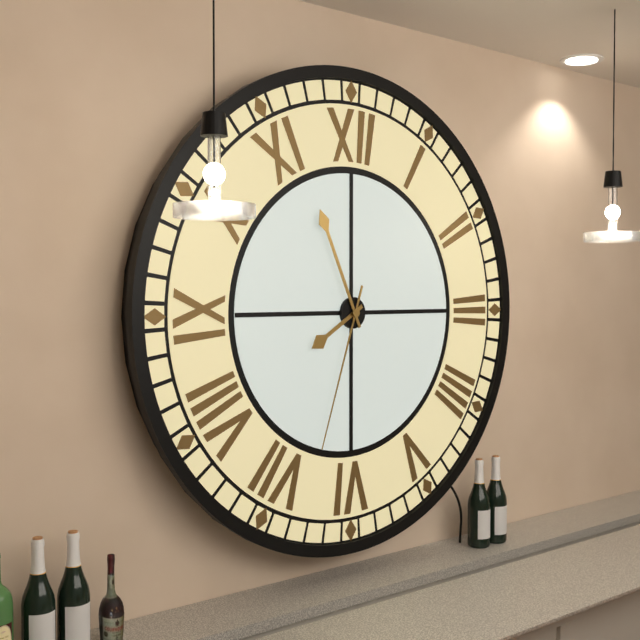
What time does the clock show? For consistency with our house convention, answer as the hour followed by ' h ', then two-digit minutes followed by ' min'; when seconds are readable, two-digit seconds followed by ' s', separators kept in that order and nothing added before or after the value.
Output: 7 h 56 min 33 s
